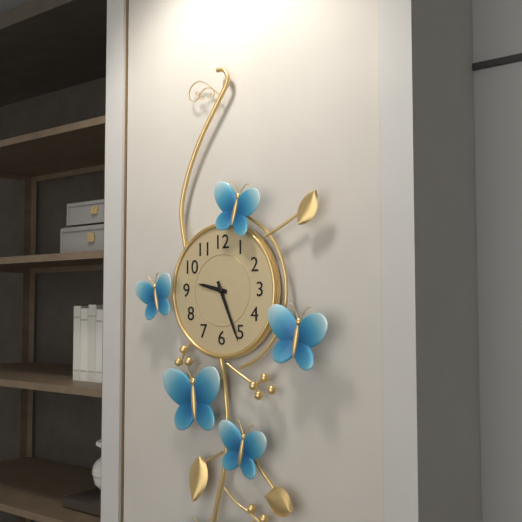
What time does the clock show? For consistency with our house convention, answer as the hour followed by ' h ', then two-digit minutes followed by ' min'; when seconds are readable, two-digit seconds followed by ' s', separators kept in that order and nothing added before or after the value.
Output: 9 h 26 min
